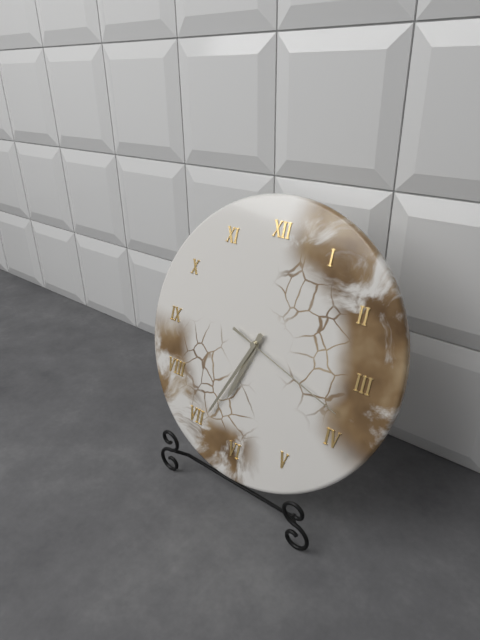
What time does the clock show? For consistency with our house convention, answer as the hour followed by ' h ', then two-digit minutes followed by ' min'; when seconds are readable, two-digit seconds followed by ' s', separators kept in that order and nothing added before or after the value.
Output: 6 h 34 min 18 s
